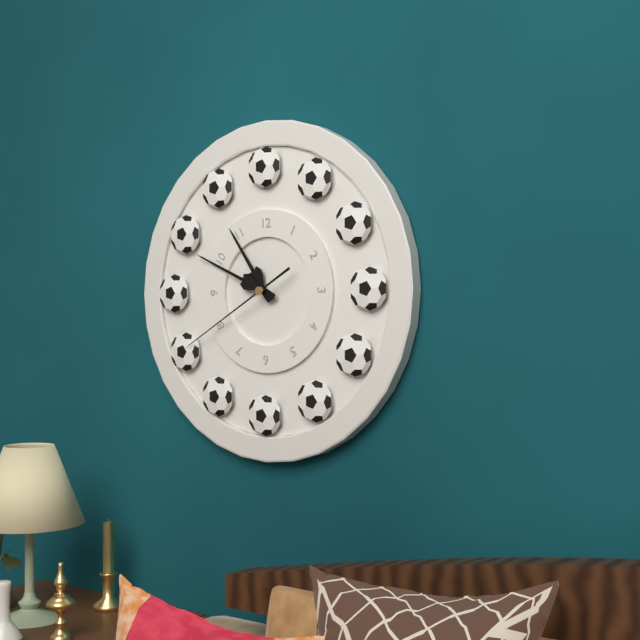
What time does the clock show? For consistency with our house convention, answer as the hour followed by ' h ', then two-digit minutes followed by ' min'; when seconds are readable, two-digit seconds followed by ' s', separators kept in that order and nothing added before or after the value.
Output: 10 h 49 min 40 s
